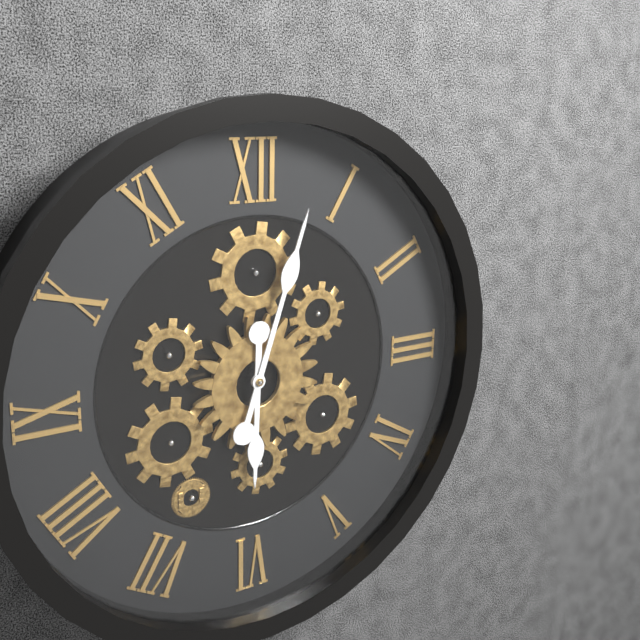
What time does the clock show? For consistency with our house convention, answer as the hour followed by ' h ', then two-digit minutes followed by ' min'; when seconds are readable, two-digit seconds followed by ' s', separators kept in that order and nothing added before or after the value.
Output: 6 h 03 min
